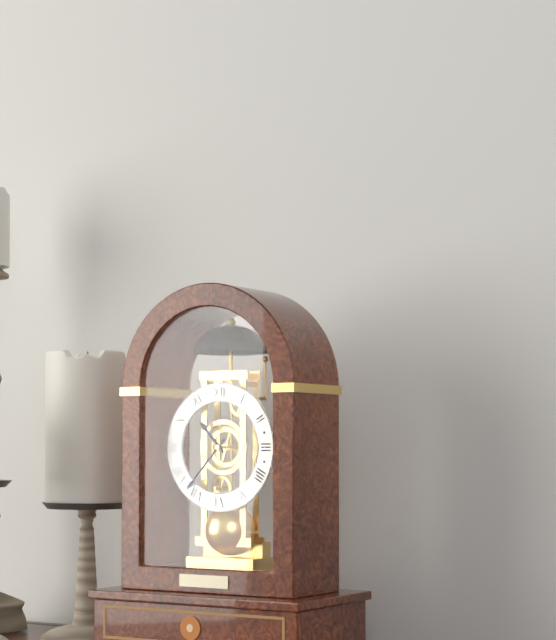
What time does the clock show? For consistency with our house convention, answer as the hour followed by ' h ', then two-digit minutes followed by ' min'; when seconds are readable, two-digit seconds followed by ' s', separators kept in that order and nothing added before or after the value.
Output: 10 h 37 min
